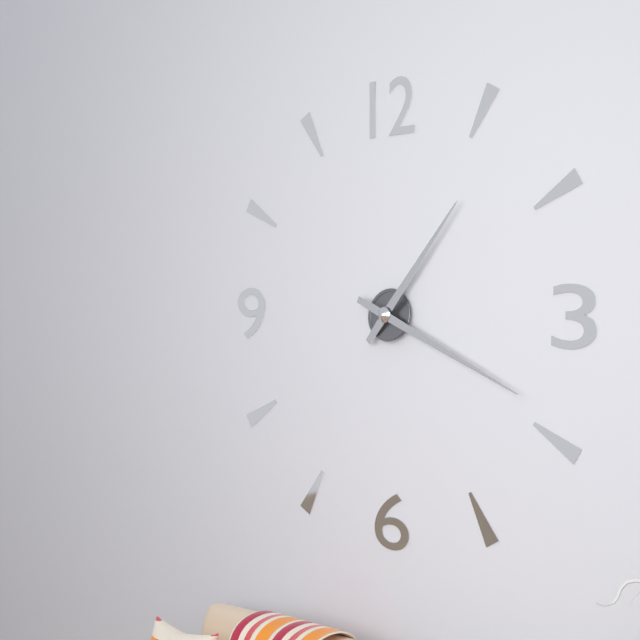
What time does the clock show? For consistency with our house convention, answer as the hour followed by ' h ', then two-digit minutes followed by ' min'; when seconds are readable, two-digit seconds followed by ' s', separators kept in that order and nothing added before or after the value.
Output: 1 h 19 min
